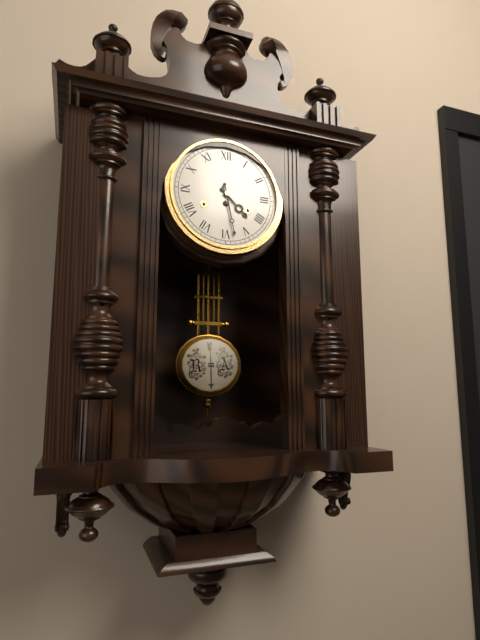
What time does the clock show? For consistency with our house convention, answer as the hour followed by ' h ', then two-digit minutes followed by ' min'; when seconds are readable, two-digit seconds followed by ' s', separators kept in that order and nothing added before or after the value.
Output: 4 h 28 min
